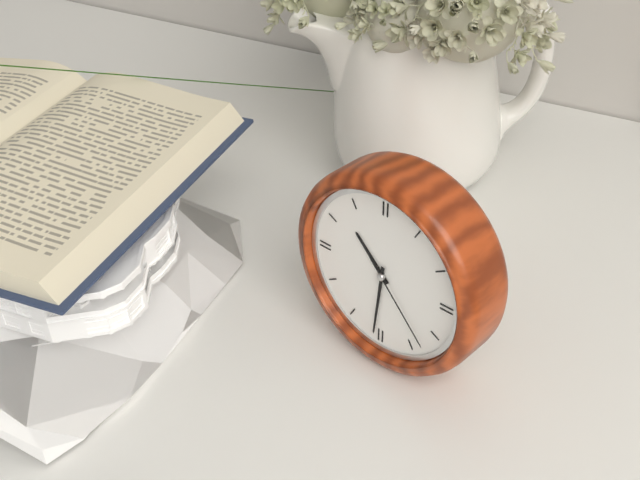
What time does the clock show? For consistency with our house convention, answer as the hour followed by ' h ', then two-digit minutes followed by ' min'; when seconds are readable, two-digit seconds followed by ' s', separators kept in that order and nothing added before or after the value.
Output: 10 h 31 min 23 s
